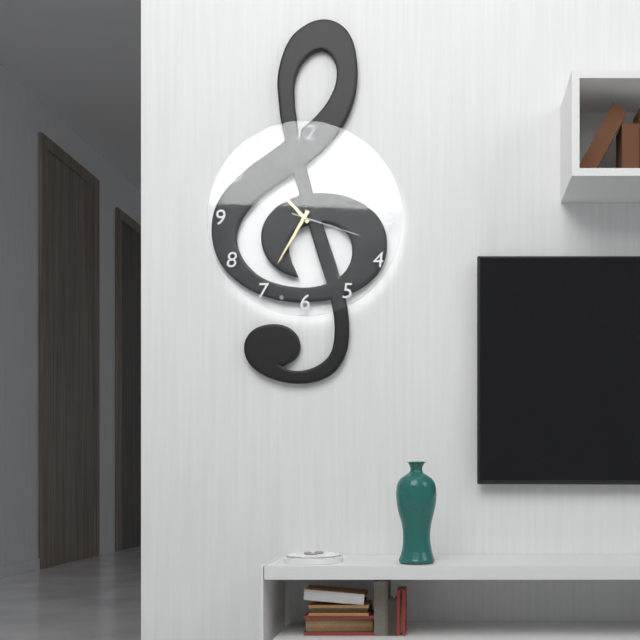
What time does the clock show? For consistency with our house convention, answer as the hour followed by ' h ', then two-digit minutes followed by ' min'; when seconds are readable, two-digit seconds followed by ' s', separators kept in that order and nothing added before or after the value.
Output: 10 h 35 min 18 s
